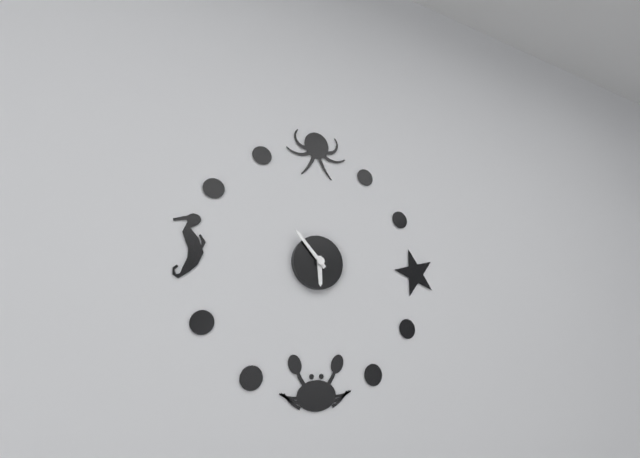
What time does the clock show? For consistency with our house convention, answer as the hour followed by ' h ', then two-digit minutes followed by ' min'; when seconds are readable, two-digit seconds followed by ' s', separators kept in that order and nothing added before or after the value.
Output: 5 h 53 min
